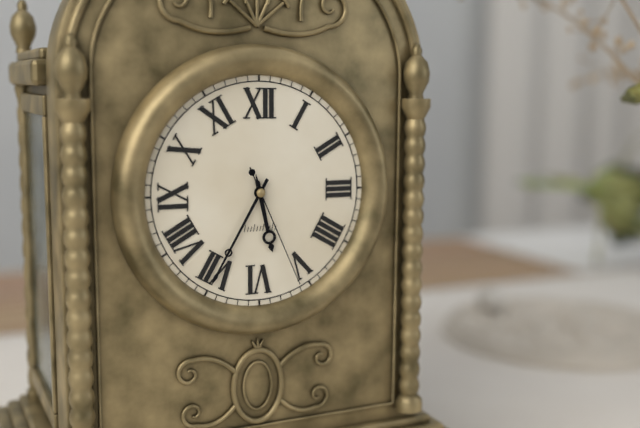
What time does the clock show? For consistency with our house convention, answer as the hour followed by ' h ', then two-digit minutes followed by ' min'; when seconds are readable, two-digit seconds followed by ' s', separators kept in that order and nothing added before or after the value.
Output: 5 h 35 min 26 s
